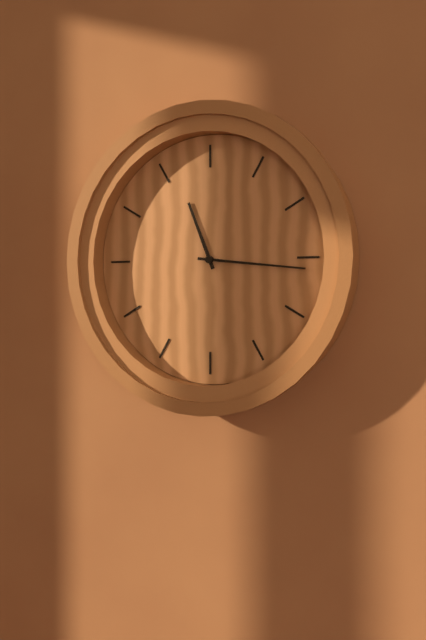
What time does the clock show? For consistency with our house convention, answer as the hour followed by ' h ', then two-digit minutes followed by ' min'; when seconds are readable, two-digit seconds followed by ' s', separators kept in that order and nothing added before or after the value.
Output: 11 h 16 min
